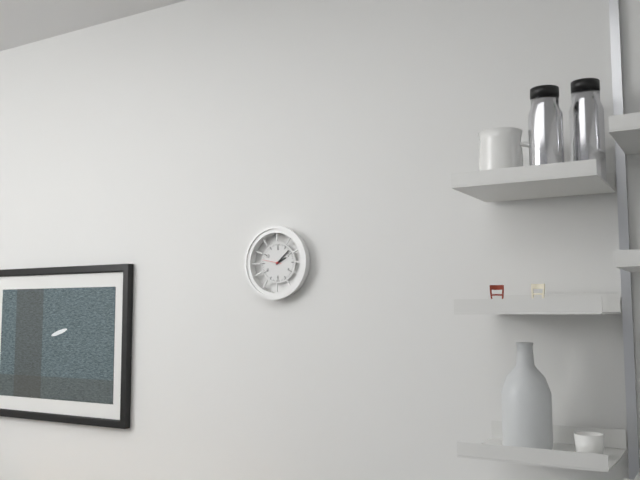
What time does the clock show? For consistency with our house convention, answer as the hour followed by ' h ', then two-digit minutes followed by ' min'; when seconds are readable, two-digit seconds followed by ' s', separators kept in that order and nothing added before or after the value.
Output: 2 h 08 min
